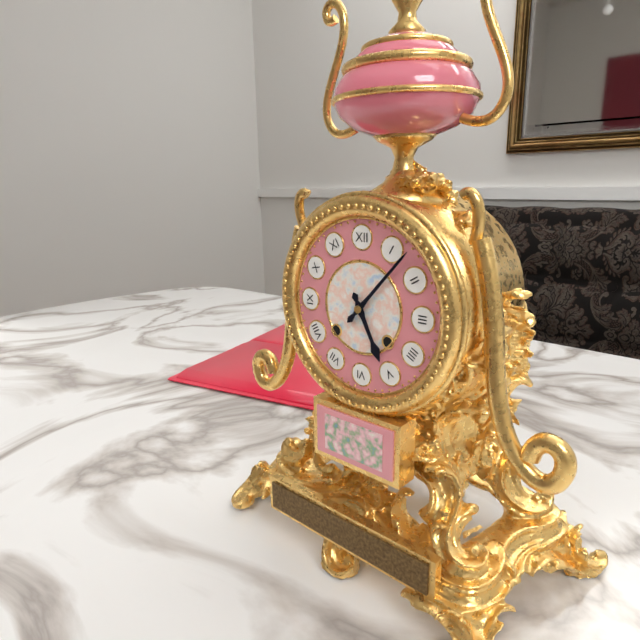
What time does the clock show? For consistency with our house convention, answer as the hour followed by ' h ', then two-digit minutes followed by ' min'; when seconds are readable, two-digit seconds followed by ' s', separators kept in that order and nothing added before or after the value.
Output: 5 h 07 min
